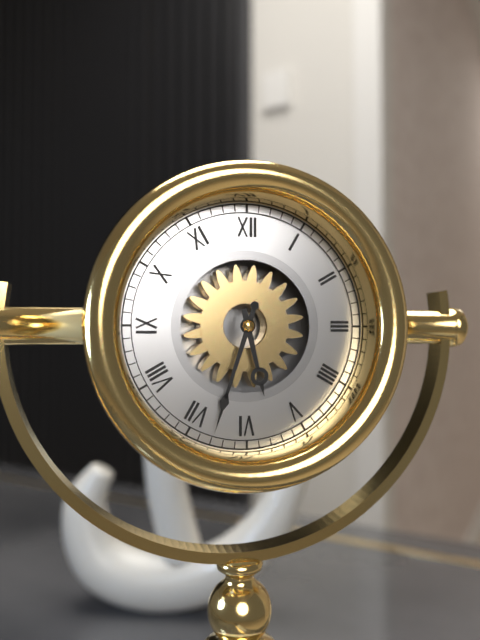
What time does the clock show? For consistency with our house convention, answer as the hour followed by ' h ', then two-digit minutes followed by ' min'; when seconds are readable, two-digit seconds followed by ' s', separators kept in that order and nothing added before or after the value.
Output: 5 h 33 min
